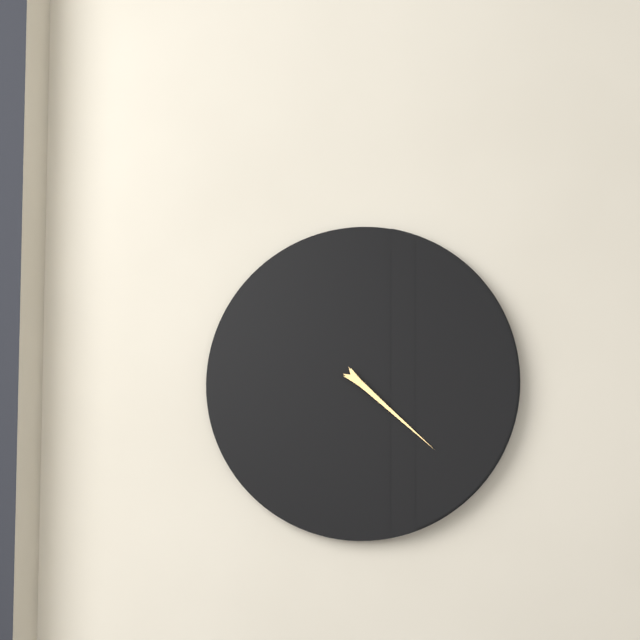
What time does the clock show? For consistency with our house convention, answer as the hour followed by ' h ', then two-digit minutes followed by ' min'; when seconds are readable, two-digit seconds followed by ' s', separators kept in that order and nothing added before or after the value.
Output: 4 h 22 min
